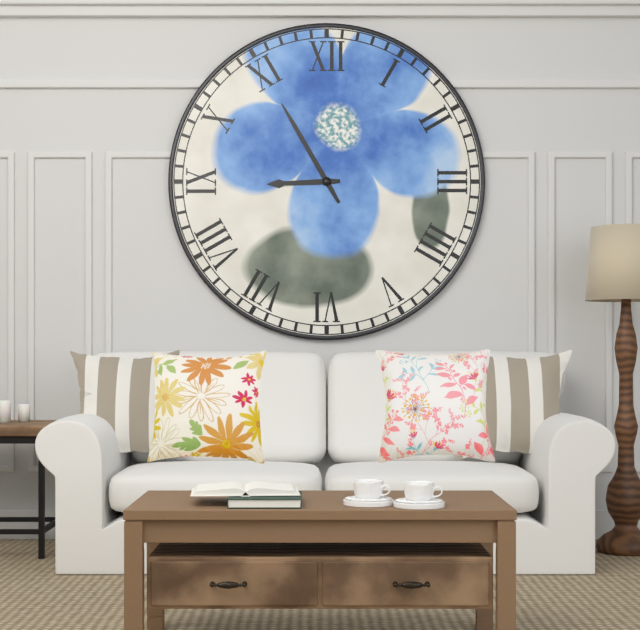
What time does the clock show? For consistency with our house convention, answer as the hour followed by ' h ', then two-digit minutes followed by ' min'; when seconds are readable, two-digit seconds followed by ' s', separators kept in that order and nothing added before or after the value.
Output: 8 h 55 min
